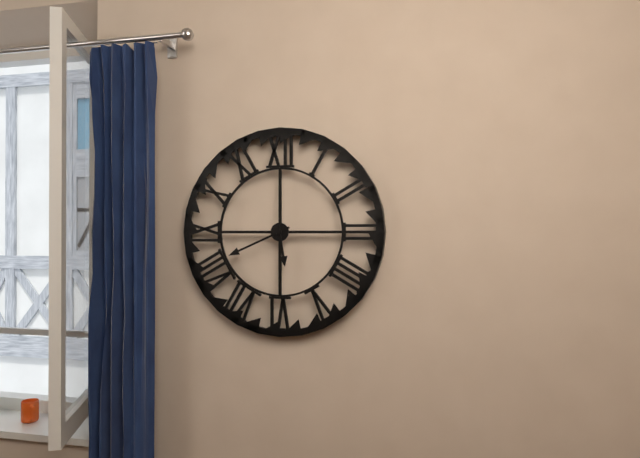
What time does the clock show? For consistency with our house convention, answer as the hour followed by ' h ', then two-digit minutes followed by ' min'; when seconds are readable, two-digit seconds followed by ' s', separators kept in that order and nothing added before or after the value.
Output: 5 h 41 min
